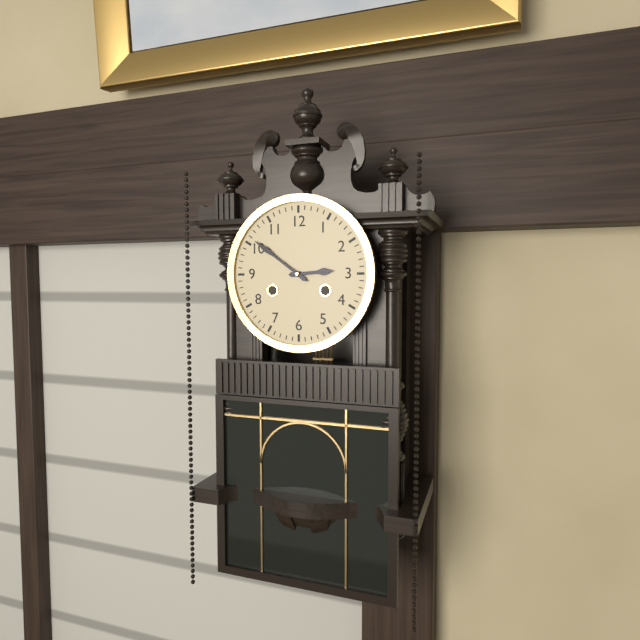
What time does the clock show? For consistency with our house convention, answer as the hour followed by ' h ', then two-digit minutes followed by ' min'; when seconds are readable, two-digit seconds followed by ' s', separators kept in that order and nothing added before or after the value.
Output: 2 h 51 min
